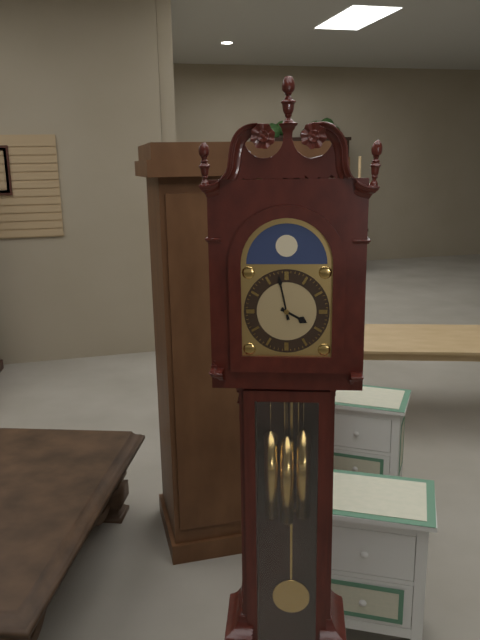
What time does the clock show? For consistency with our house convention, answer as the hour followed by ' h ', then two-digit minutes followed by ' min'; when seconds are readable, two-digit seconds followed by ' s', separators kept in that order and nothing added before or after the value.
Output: 3 h 58 min
